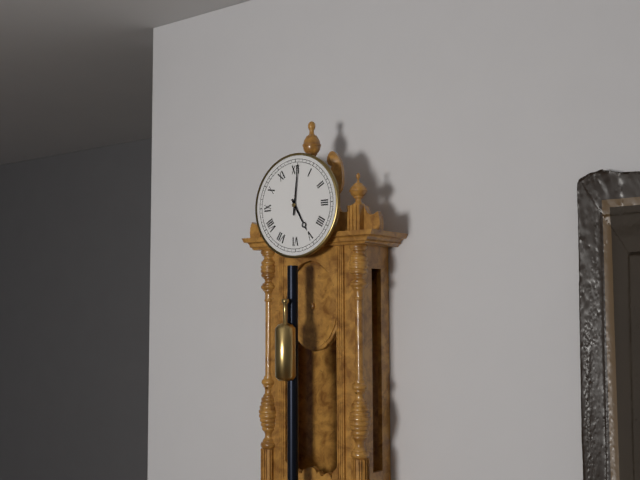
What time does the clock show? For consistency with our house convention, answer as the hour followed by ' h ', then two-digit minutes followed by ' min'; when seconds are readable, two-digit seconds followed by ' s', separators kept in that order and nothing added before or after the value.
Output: 5 h 01 min
